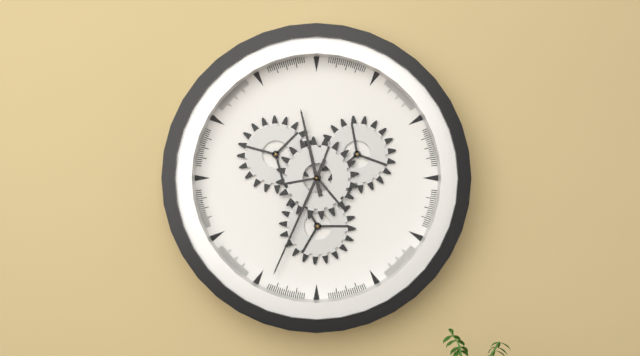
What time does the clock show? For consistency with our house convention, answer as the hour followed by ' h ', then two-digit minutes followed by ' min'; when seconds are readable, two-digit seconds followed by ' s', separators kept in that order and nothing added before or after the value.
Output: 11 h 34 min
